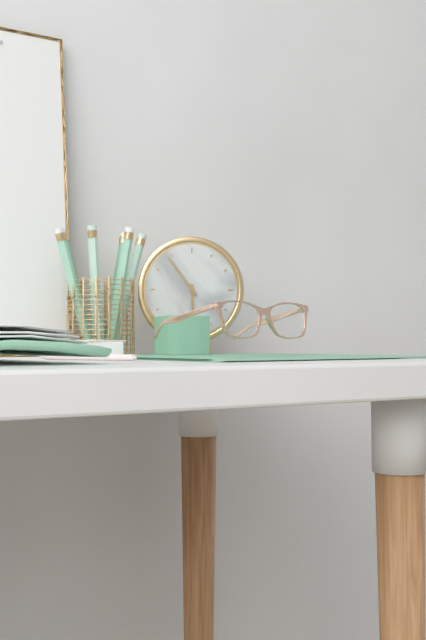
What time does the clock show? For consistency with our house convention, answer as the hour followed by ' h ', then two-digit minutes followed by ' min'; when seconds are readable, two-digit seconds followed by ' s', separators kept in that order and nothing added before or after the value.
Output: 5 h 54 min
